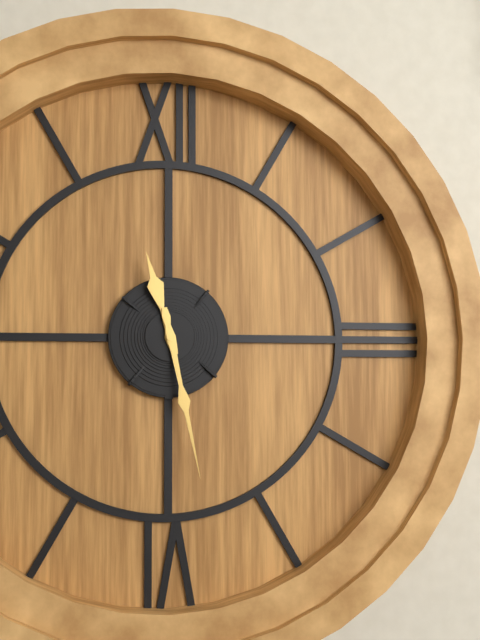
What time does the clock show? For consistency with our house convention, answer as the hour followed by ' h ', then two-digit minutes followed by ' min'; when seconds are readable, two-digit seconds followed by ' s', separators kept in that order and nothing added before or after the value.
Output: 11 h 28 min
